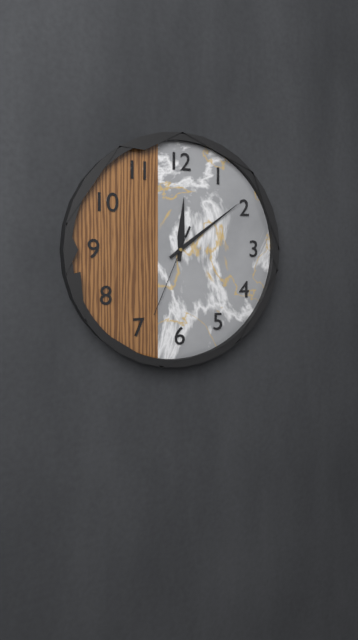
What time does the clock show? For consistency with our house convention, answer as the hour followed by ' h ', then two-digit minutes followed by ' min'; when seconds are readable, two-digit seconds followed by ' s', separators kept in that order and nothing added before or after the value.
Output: 12 h 09 min 34 s
